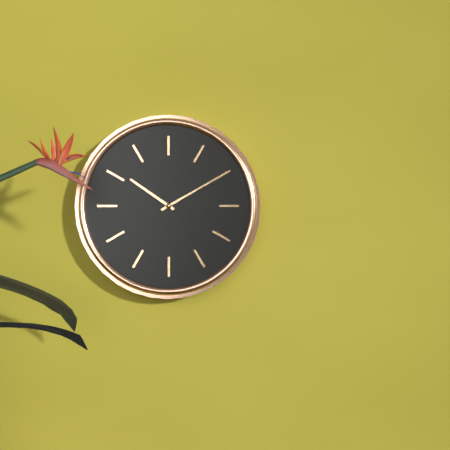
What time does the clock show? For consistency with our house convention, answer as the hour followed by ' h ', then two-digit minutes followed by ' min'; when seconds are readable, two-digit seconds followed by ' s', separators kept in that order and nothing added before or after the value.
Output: 10 h 10 min
